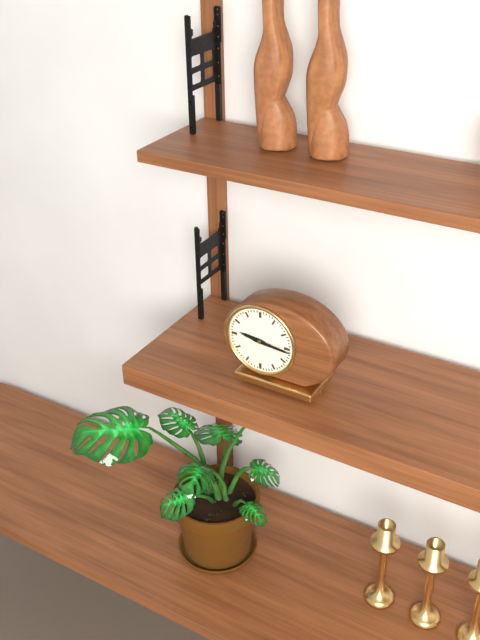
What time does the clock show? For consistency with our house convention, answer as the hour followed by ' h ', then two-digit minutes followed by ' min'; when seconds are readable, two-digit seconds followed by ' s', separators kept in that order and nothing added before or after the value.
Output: 9 h 16 min
